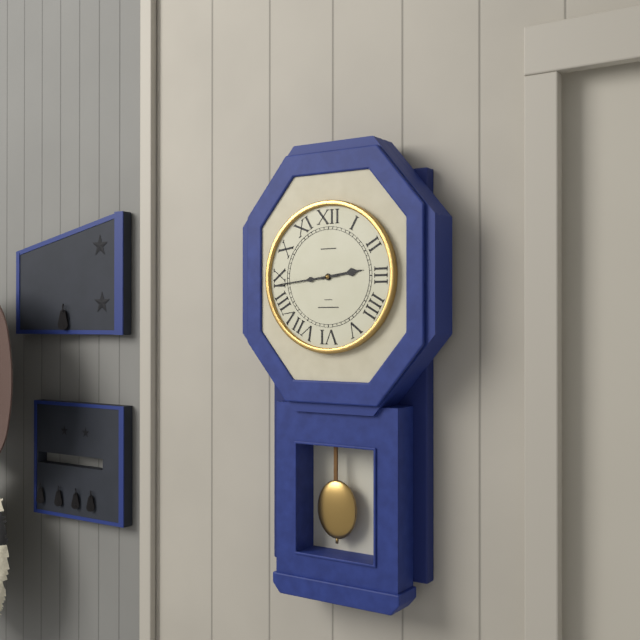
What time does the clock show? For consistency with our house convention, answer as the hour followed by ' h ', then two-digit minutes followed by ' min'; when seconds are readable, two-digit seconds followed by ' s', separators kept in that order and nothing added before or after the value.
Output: 2 h 44 min
